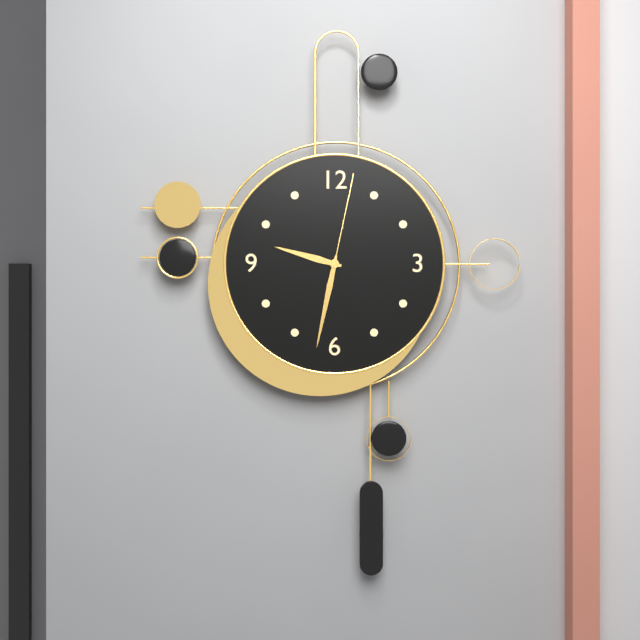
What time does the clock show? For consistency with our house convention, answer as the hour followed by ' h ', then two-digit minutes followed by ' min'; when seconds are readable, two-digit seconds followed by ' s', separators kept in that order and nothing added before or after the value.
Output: 9 h 32 min 02 s
